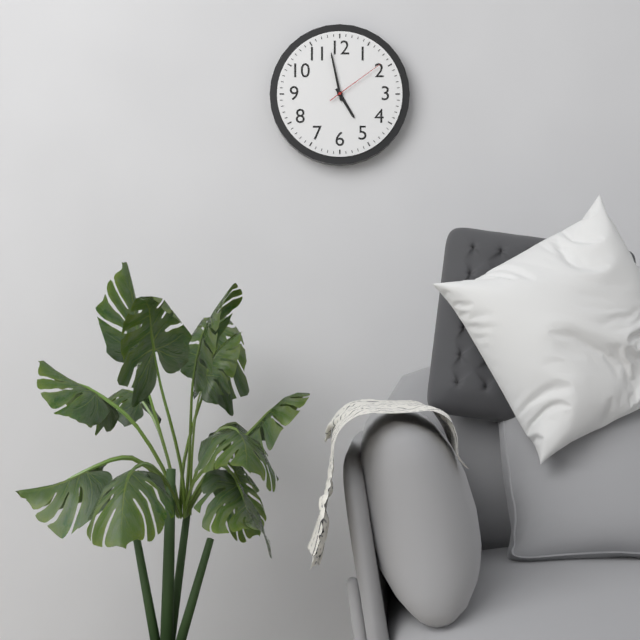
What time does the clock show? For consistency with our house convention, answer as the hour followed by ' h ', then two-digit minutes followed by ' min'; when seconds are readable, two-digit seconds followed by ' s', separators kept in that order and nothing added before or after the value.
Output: 4 h 58 min 09 s
